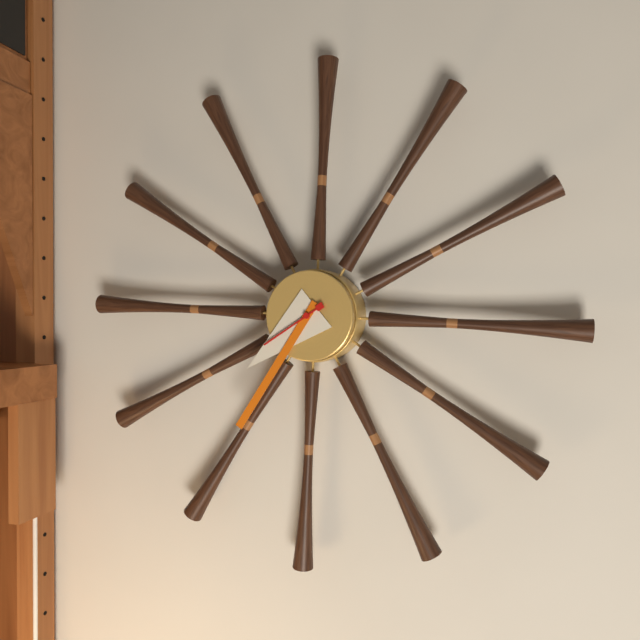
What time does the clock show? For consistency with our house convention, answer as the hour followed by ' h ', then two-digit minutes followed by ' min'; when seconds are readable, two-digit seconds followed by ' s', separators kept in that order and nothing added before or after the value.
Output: 7 h 35 min 39 s
